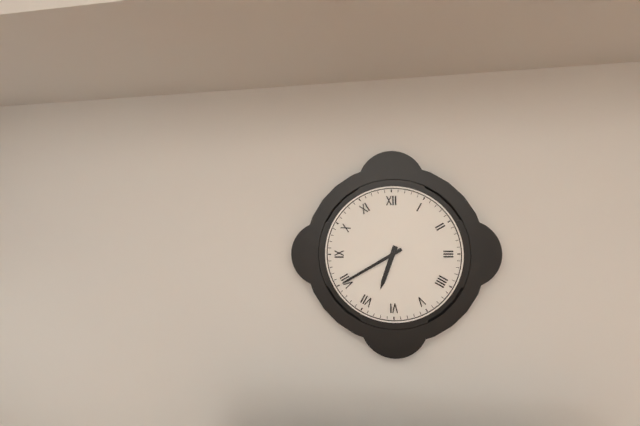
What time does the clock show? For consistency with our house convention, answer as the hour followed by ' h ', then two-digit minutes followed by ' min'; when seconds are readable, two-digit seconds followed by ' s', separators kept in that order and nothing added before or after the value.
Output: 6 h 40 min
